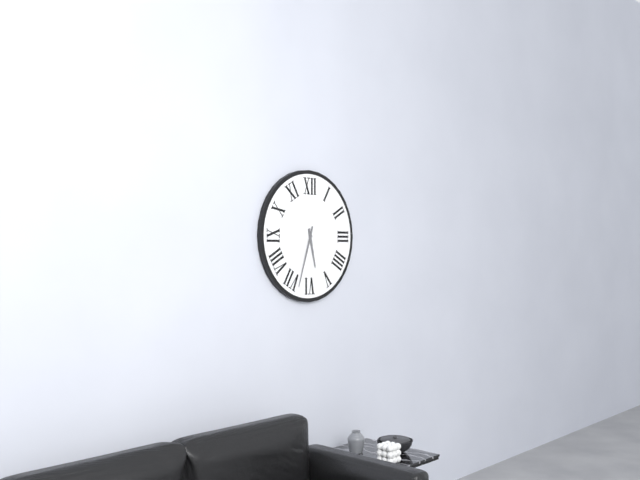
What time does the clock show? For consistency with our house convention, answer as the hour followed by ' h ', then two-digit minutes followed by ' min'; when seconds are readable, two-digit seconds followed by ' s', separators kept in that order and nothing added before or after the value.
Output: 5 h 33 min
